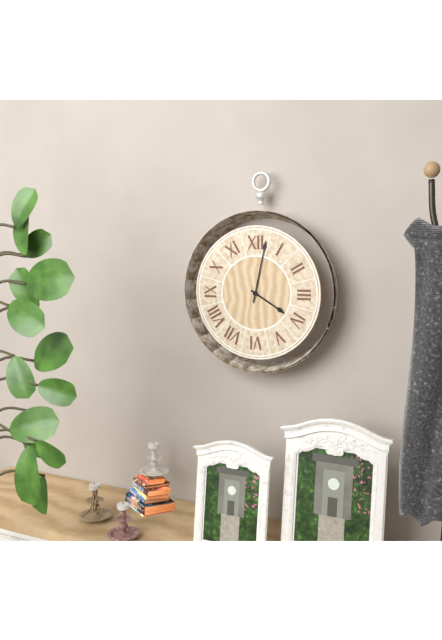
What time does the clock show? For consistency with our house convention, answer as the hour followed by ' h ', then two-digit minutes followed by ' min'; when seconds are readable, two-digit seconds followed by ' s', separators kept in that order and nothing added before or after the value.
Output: 4 h 02 min
